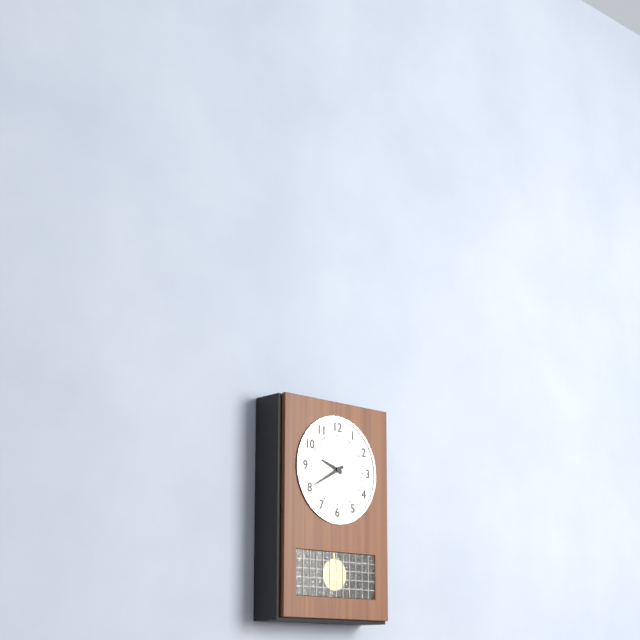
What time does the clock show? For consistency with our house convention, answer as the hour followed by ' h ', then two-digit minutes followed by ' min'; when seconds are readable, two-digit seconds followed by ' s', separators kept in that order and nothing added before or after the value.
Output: 9 h 40 min
